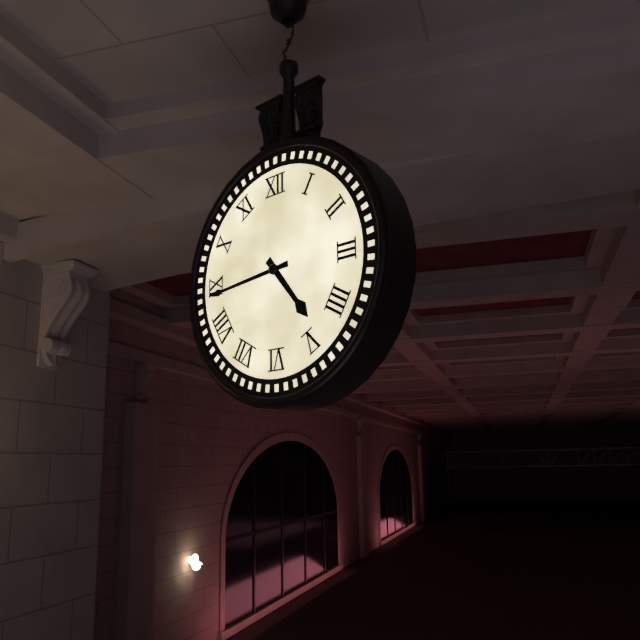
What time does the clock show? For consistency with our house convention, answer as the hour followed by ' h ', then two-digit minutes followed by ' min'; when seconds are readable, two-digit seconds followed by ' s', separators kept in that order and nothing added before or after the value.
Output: 4 h 44 min
